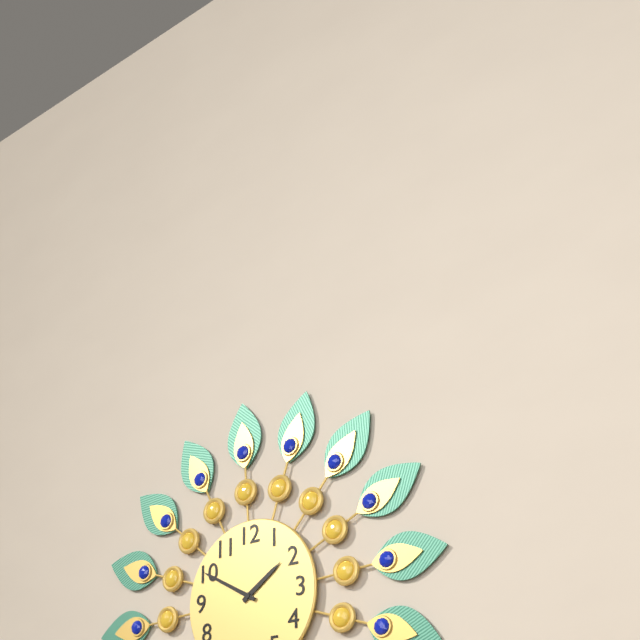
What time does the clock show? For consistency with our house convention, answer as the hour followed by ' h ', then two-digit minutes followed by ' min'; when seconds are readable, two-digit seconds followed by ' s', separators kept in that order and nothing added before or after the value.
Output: 1 h 50 min
